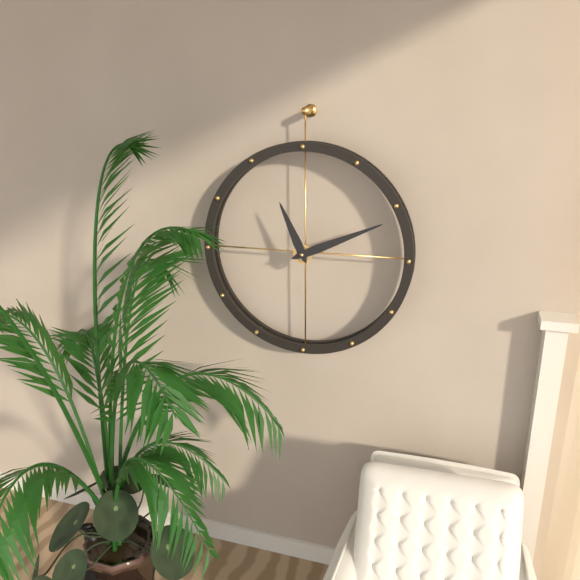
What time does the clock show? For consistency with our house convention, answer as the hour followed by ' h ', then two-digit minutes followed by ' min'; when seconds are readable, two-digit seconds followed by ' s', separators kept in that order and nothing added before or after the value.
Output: 11 h 11 min
